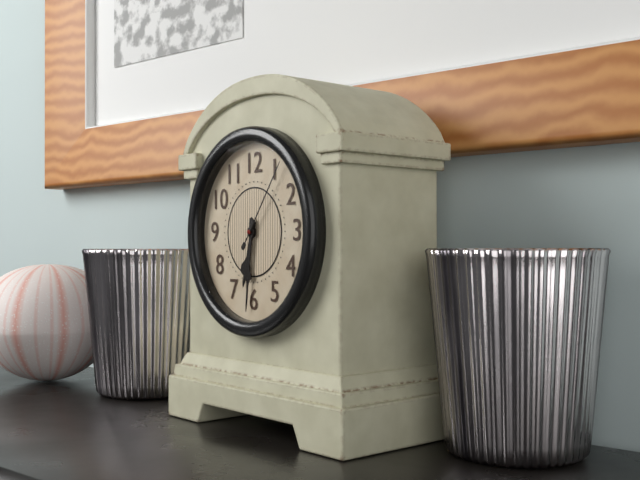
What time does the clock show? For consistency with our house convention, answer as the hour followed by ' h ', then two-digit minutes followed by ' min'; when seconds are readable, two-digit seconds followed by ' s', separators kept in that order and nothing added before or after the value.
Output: 6 h 31 min 06 s
